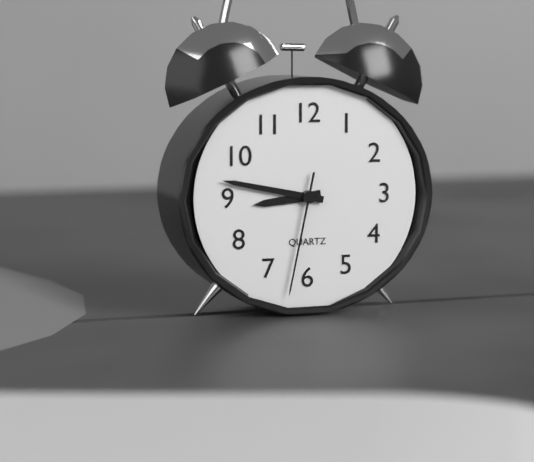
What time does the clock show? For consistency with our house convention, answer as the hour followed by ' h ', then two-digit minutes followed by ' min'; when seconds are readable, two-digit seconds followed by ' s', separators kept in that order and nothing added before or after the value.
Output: 8 h 47 min 32 s
